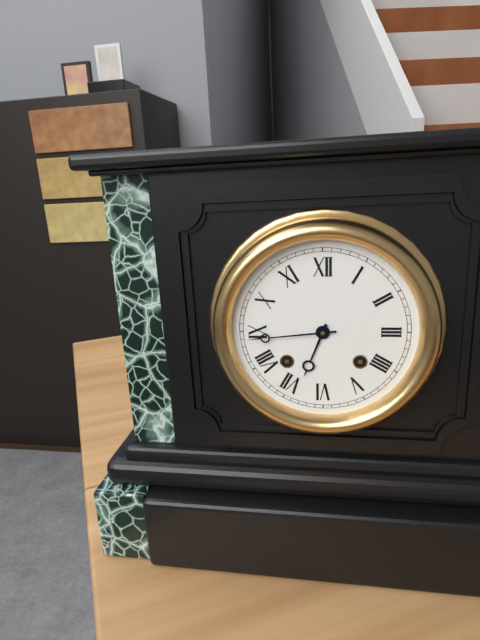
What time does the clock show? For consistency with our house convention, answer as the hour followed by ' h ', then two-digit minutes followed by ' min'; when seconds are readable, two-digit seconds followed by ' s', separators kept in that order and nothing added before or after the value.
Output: 6 h 44 min
